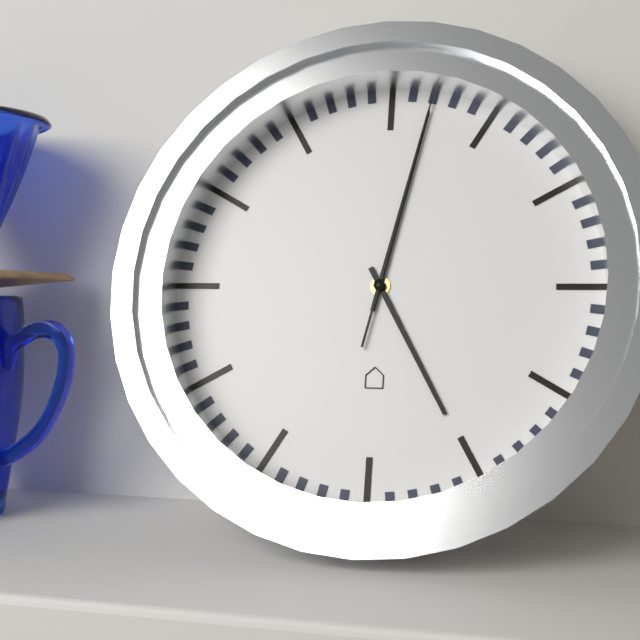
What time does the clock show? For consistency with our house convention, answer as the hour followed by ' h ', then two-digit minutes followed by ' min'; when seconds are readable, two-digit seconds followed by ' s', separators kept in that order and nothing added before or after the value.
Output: 5 h 02 min 02 s
